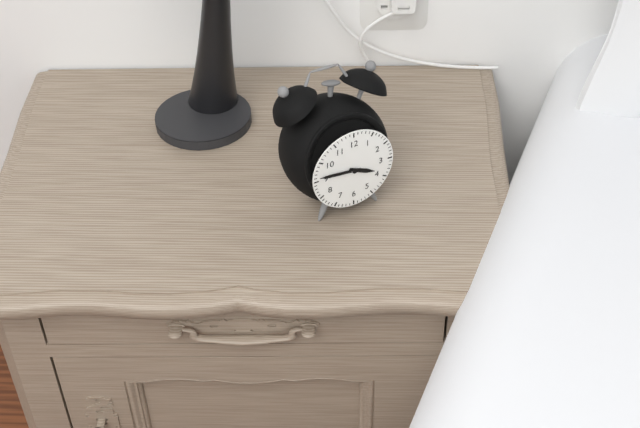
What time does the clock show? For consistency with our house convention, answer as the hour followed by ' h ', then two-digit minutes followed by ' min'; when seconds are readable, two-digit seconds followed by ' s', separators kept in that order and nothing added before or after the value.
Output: 3 h 46 min
